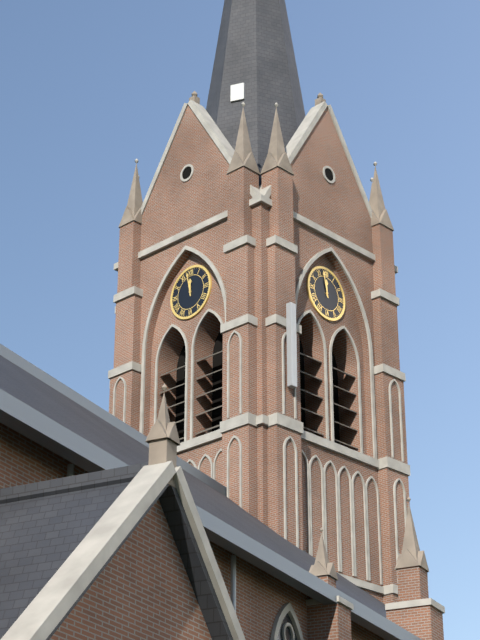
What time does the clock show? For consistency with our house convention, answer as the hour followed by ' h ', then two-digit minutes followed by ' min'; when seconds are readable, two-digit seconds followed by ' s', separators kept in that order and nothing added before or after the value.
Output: 11 h 58 min
